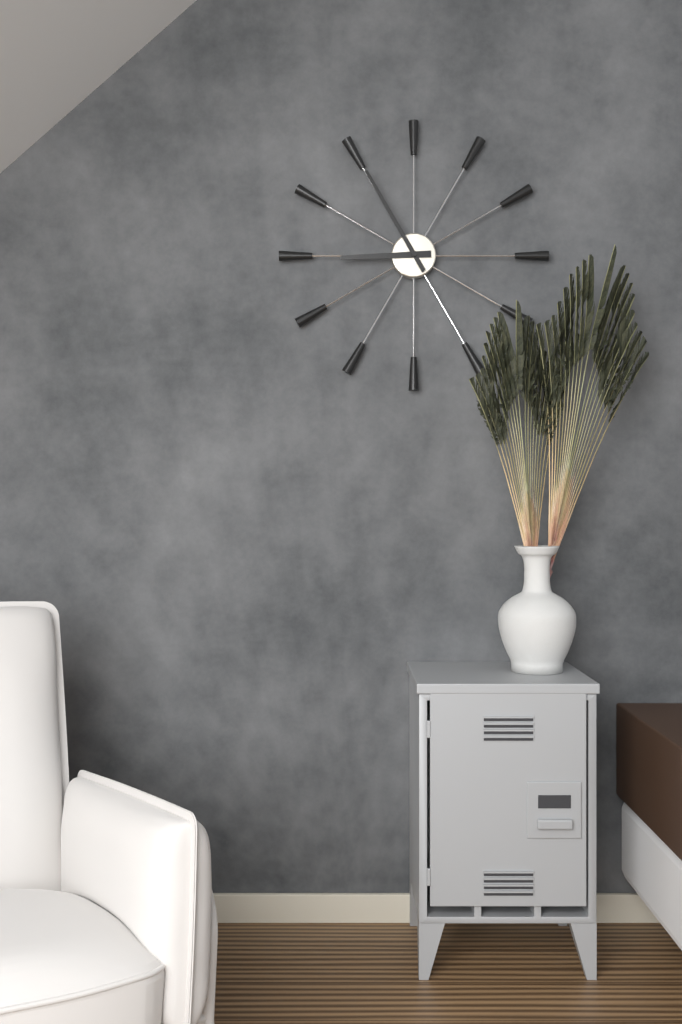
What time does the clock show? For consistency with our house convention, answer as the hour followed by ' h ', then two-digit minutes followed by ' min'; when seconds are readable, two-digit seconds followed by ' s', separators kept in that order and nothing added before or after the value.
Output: 8 h 55 min
